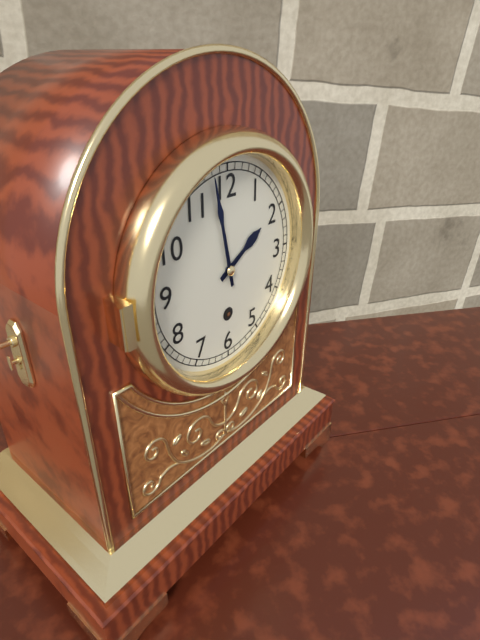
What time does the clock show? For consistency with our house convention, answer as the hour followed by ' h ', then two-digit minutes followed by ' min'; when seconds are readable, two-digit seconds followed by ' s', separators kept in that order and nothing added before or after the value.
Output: 1 h 58 min
